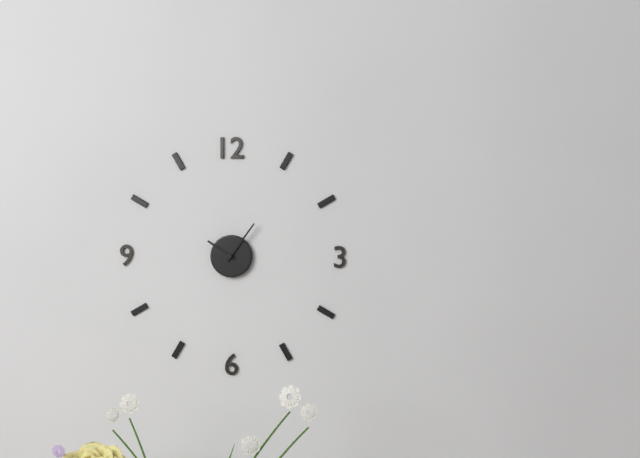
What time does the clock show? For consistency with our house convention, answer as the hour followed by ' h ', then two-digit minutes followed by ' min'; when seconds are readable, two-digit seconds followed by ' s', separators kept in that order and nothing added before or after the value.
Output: 10 h 06 min
